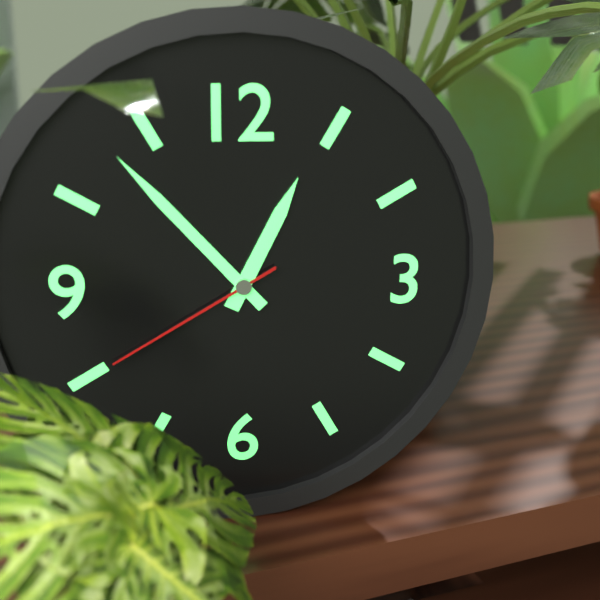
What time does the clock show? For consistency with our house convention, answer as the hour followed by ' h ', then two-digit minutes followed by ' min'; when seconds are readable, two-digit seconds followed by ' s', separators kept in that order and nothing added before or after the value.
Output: 12 h 53 min 40 s
